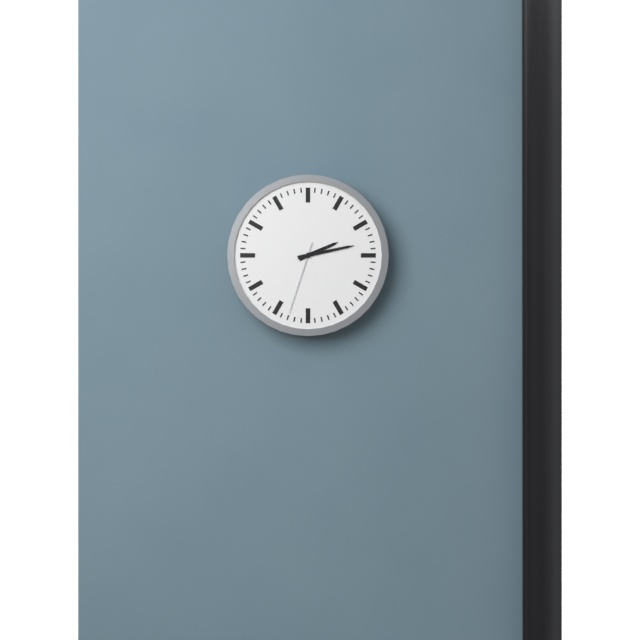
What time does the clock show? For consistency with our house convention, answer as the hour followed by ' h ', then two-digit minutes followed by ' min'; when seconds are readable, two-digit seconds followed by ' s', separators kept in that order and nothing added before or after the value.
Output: 2 h 13 min 33 s
